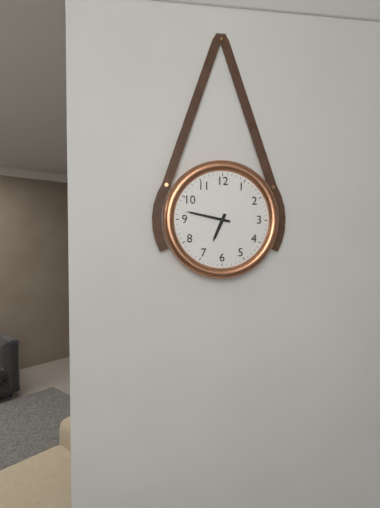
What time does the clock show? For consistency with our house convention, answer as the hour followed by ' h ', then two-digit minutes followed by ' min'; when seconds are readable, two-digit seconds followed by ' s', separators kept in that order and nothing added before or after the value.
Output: 6 h 47 min
